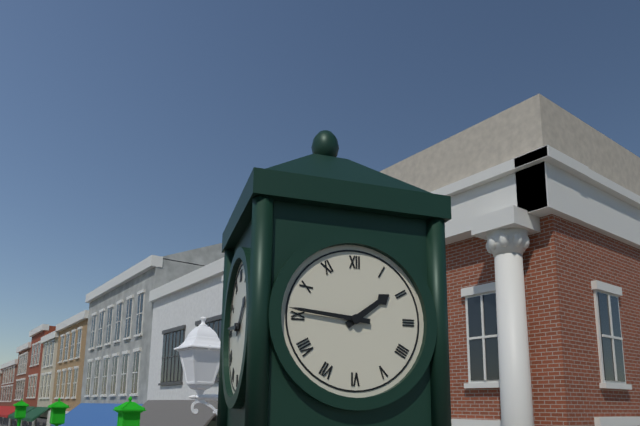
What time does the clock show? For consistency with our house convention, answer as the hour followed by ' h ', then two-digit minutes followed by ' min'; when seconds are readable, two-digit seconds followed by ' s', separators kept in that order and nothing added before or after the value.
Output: 1 h 46 min
